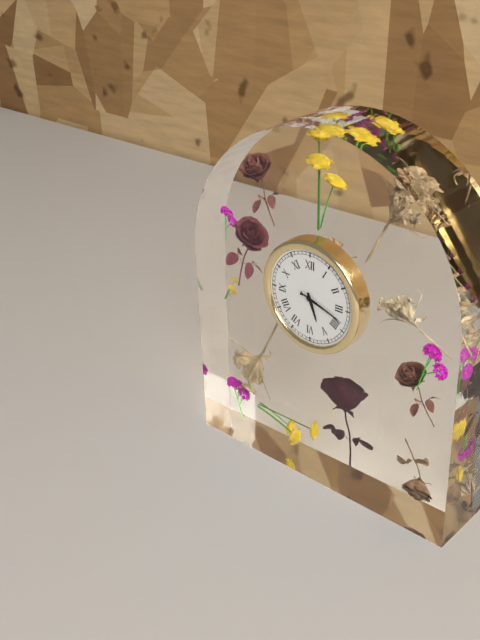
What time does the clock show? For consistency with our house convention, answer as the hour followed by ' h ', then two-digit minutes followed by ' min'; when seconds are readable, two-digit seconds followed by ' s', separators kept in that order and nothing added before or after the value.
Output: 5 h 18 min 18 s
